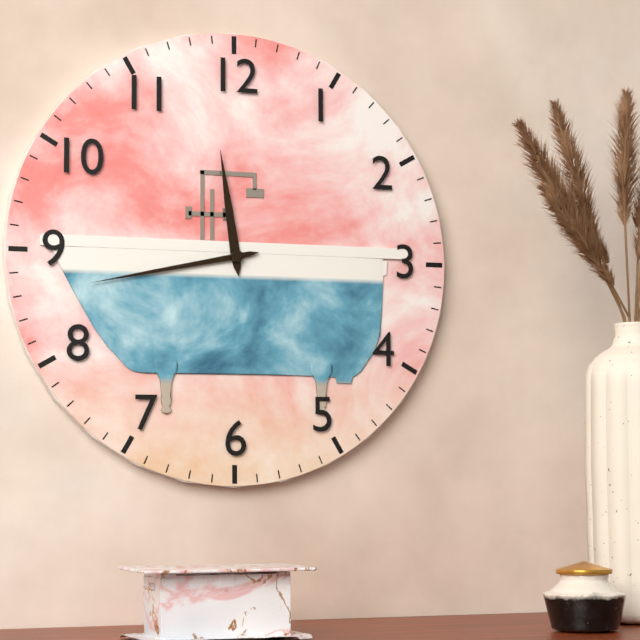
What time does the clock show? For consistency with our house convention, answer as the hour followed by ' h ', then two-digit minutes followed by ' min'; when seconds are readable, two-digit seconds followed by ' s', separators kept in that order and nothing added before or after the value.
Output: 11 h 43 min
